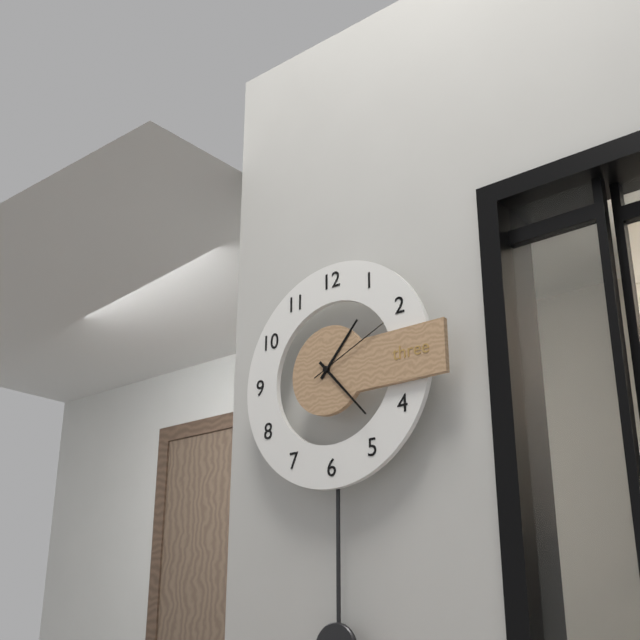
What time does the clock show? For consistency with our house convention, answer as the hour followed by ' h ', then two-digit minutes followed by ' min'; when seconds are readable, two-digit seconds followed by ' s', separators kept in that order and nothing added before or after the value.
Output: 1 h 23 min 11 s
